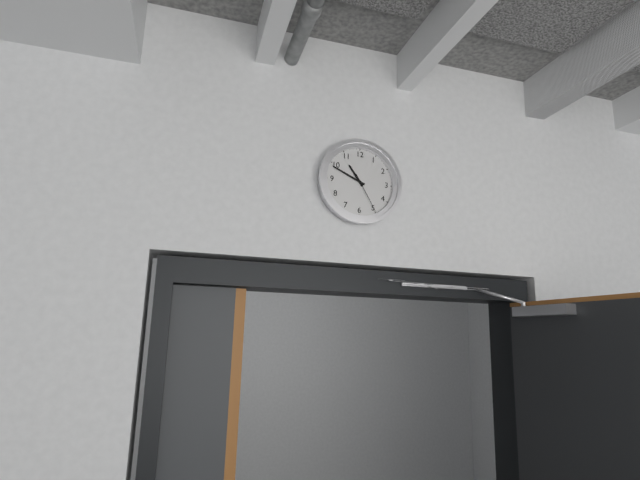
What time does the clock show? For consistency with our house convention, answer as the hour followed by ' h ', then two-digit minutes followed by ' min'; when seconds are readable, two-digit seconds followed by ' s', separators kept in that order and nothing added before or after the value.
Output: 10 h 49 min
